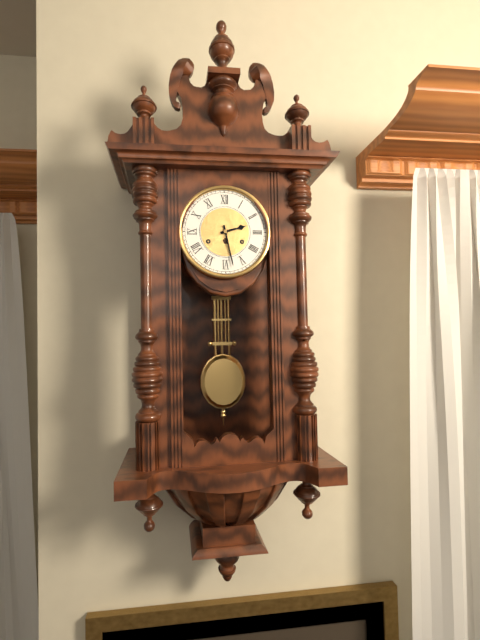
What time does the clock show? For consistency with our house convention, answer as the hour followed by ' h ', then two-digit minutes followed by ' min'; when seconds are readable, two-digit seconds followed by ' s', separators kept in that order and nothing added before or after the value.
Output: 2 h 28 min
